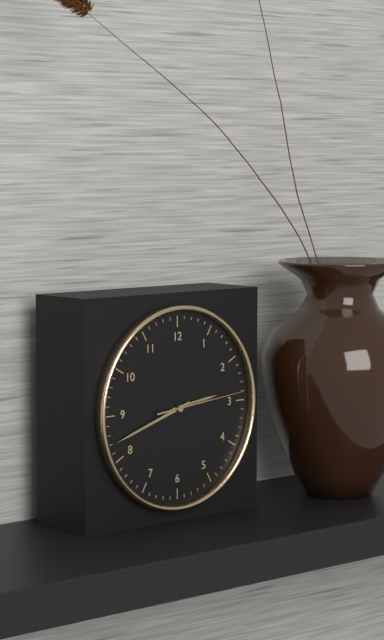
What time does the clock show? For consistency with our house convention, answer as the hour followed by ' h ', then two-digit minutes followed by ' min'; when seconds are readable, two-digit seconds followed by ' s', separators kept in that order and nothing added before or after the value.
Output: 2 h 42 min 14 s
